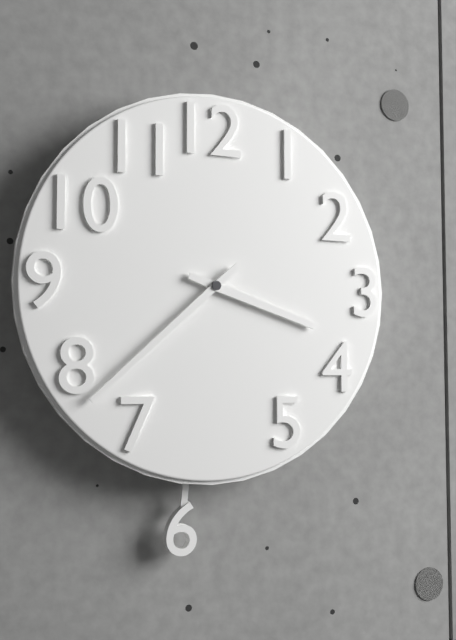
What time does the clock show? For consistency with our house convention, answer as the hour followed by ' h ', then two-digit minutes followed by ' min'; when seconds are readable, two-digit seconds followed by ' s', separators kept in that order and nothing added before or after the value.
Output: 3 h 38 min
